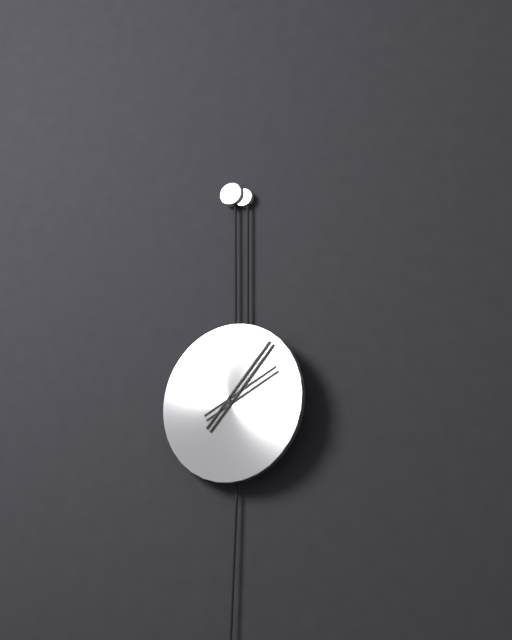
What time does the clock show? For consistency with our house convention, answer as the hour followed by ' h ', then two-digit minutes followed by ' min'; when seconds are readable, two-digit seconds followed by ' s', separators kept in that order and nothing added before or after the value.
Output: 2 h 07 min
